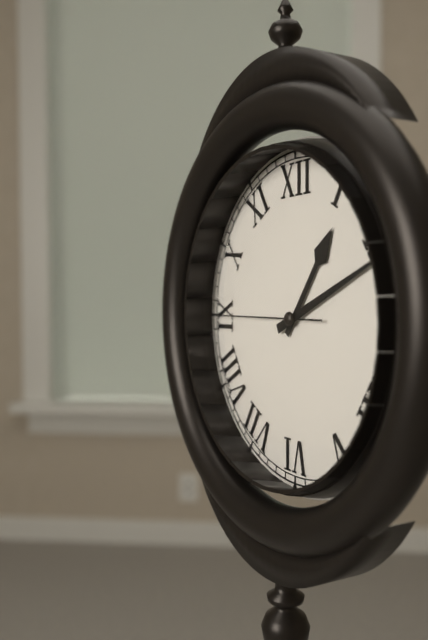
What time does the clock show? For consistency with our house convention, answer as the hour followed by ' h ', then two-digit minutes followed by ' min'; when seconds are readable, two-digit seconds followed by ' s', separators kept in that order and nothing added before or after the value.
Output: 1 h 11 min 45 s
